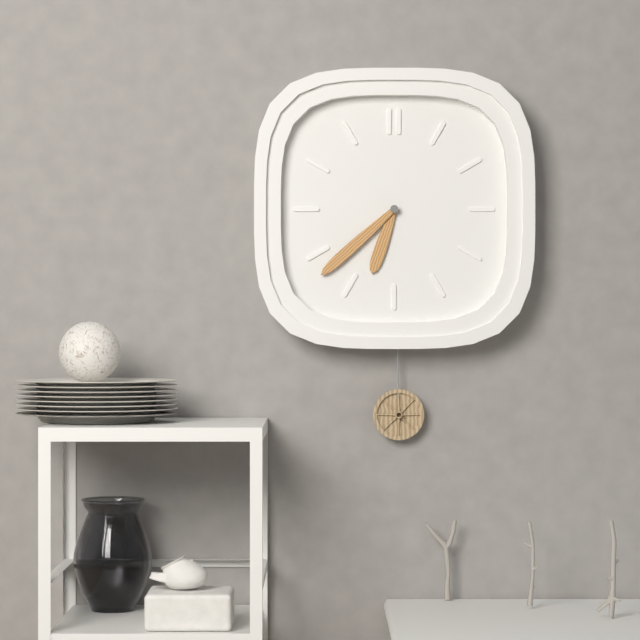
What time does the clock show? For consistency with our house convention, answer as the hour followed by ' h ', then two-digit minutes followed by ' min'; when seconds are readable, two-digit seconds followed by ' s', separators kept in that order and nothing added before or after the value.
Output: 6 h 38 min
